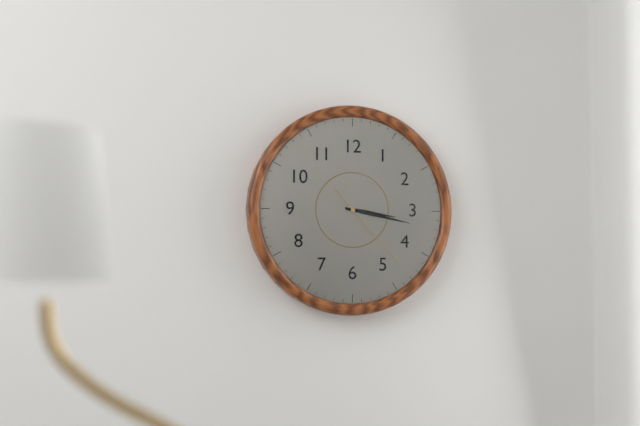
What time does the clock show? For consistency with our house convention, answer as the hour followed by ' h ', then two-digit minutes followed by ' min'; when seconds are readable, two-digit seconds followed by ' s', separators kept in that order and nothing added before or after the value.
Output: 3 h 17 min 23 s
